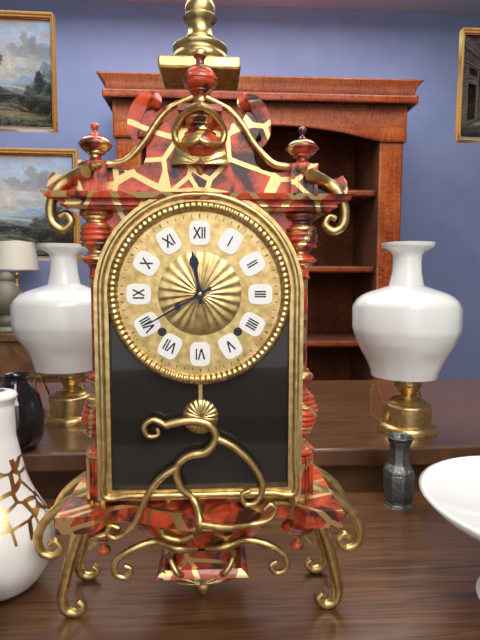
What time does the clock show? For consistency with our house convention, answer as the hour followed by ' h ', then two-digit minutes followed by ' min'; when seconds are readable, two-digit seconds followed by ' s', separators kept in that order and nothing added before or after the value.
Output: 11 h 40 min
